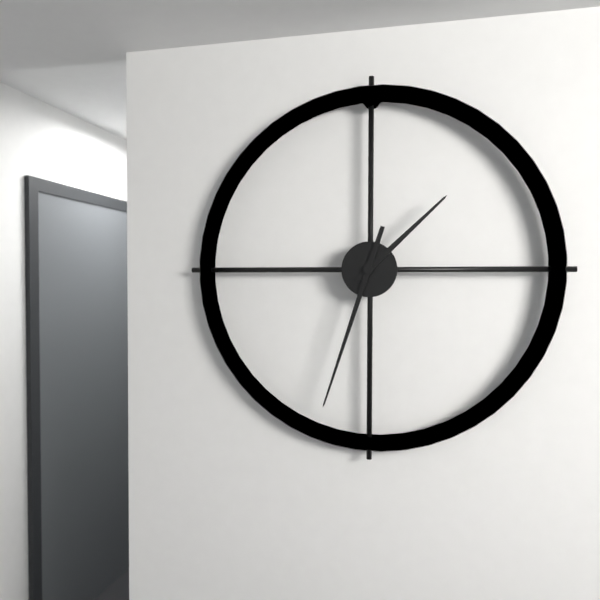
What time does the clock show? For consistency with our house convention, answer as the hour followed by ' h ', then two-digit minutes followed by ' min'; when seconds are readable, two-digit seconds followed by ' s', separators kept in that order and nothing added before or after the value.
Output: 1 h 33 min
